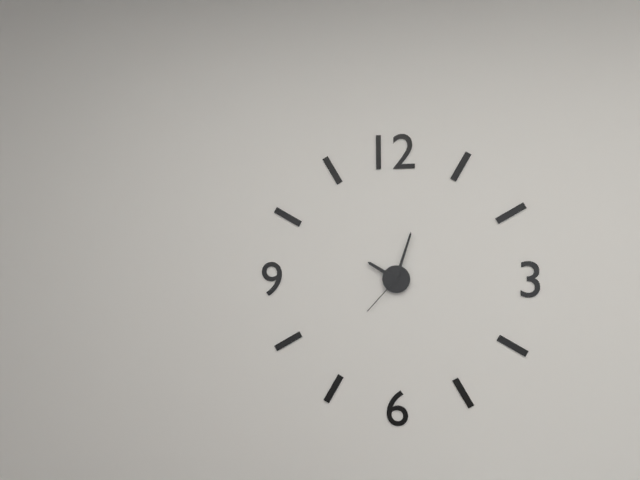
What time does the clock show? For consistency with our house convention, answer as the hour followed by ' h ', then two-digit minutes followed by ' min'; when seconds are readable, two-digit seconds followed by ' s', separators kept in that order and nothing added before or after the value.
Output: 10 h 03 min 37 s
